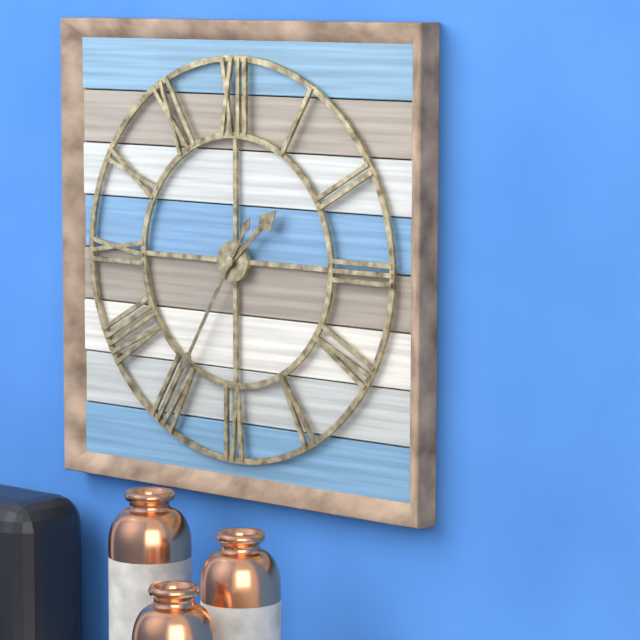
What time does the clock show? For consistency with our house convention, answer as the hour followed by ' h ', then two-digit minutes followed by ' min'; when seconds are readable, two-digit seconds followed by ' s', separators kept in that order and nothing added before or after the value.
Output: 1 h 35 min
